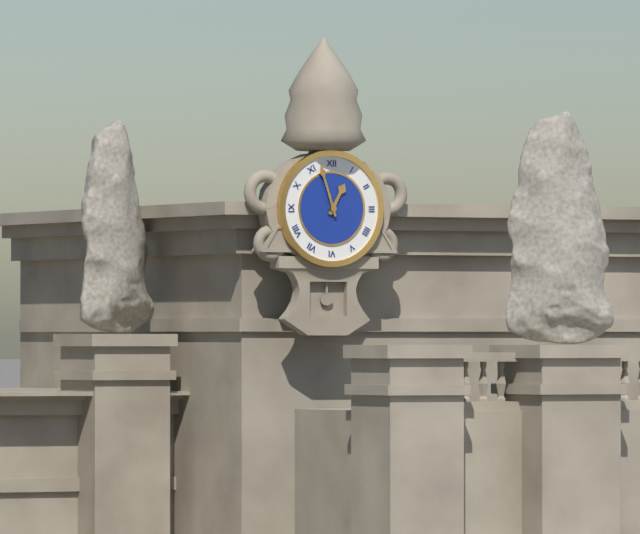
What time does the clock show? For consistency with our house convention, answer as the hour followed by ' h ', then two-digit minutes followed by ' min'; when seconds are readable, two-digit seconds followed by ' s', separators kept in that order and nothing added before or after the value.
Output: 12 h 57 min
